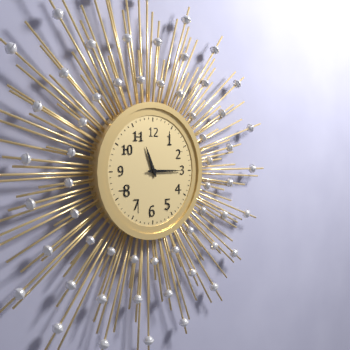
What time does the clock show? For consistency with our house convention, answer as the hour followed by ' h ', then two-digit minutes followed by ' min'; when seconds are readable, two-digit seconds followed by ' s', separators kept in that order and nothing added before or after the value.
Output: 11 h 15 min
